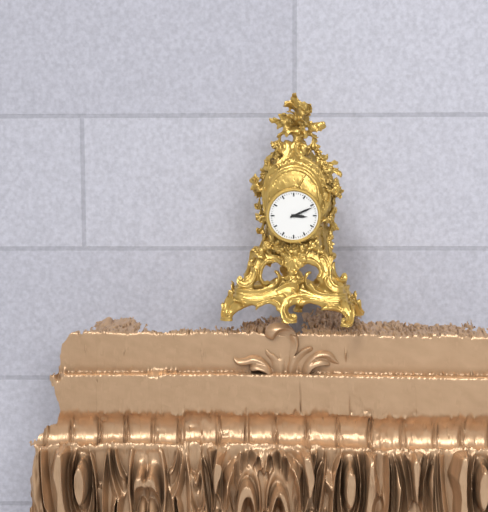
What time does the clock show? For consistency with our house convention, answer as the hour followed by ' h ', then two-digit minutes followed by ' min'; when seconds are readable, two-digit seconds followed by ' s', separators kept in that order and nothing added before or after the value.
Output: 3 h 11 min
